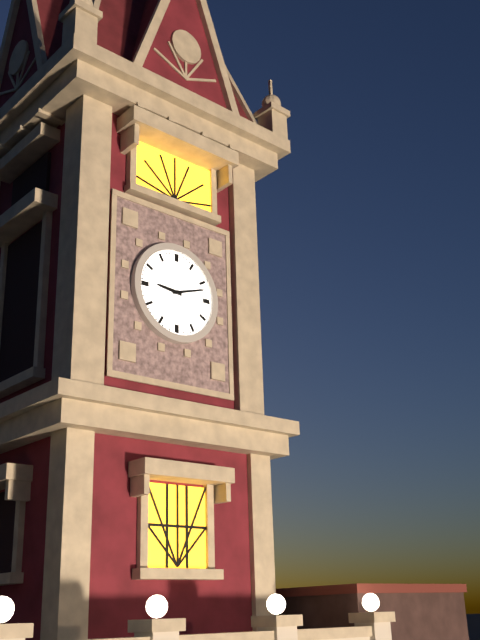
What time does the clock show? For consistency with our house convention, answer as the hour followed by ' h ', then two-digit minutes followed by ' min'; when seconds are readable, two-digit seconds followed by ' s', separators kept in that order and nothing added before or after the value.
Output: 9 h 12 min
